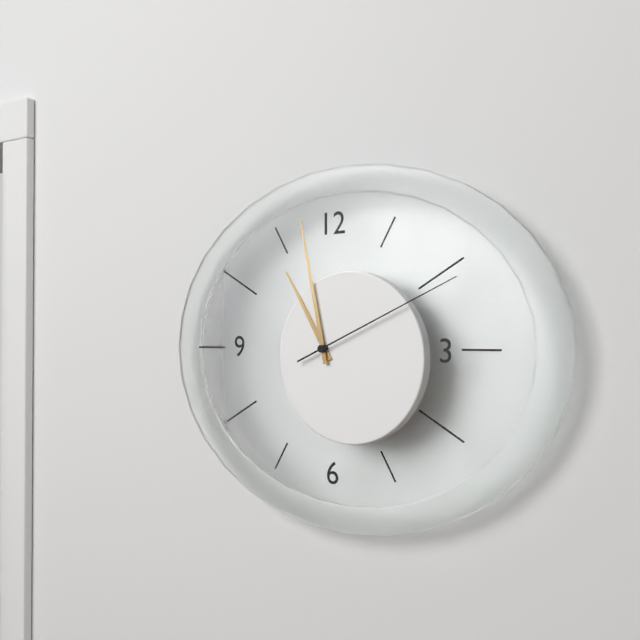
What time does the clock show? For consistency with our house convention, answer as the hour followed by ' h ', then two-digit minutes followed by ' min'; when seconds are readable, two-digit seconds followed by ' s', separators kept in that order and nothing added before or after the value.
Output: 10 h 58 min 11 s
